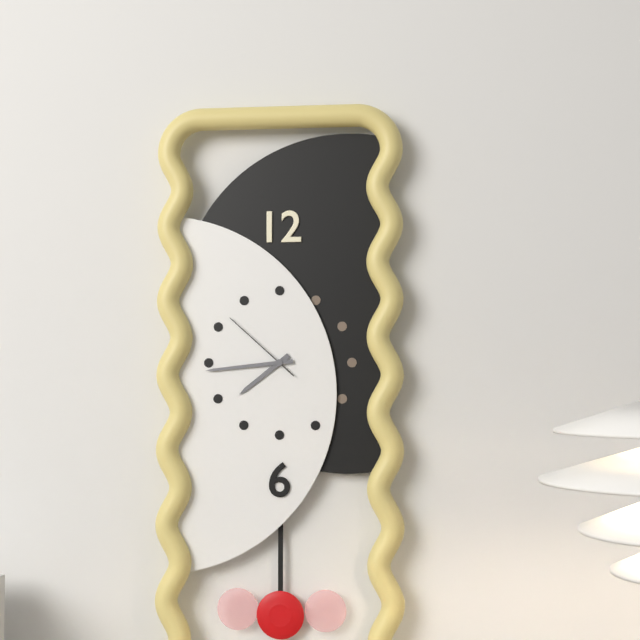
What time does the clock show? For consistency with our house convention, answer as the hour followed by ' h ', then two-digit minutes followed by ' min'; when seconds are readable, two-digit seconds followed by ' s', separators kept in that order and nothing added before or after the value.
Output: 7 h 44 min 52 s
